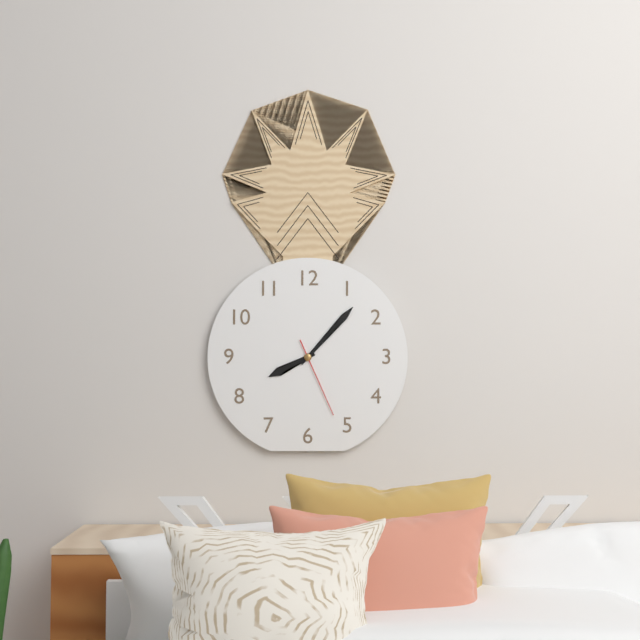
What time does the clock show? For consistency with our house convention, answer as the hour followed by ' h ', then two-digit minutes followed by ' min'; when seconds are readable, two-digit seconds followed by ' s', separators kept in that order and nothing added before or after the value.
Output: 8 h 07 min 26 s
